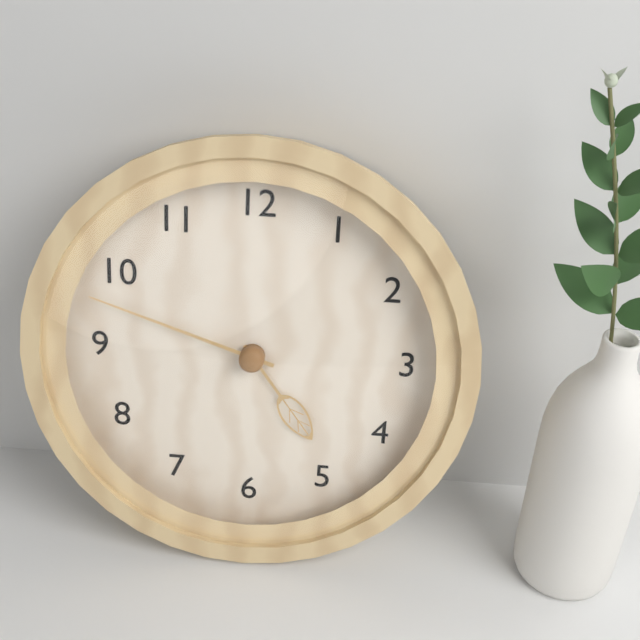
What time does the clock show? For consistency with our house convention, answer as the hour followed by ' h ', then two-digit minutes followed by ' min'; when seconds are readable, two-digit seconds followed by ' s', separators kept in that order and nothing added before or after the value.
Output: 4 h 48 min
